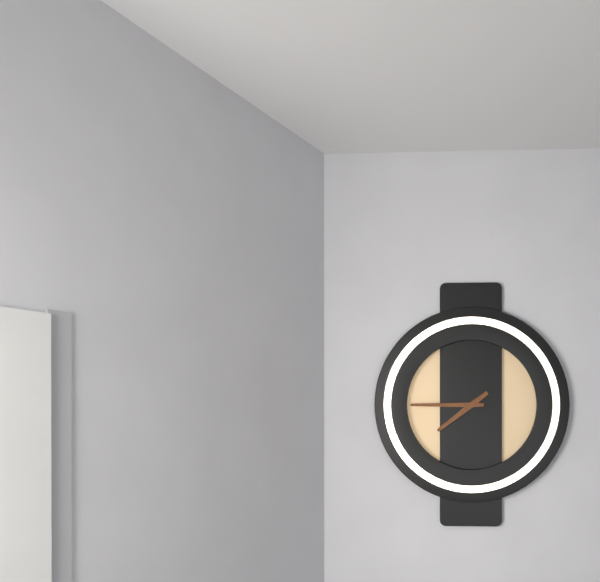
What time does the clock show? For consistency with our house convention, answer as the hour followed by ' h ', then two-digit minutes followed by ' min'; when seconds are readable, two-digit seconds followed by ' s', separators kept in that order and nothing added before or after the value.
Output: 7 h 45 min
